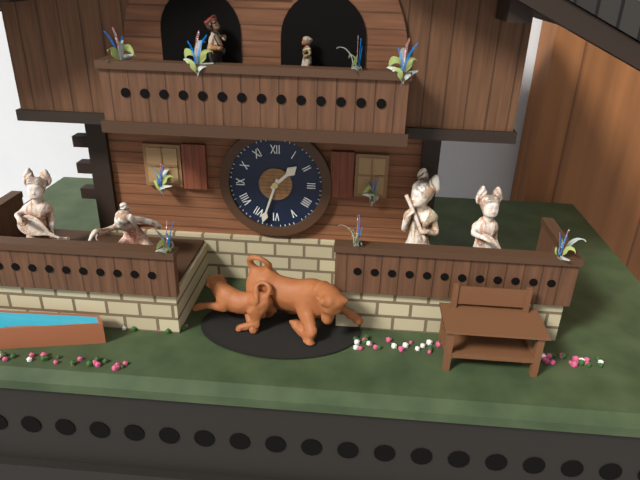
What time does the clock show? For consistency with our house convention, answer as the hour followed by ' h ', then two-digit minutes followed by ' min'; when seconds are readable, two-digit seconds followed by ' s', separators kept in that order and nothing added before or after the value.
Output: 1 h 33 min
